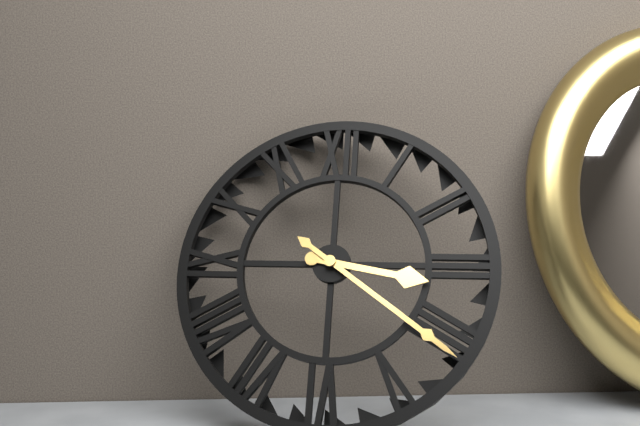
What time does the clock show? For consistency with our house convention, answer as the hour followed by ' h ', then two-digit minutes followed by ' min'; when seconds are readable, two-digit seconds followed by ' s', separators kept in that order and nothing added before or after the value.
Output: 3 h 21 min
